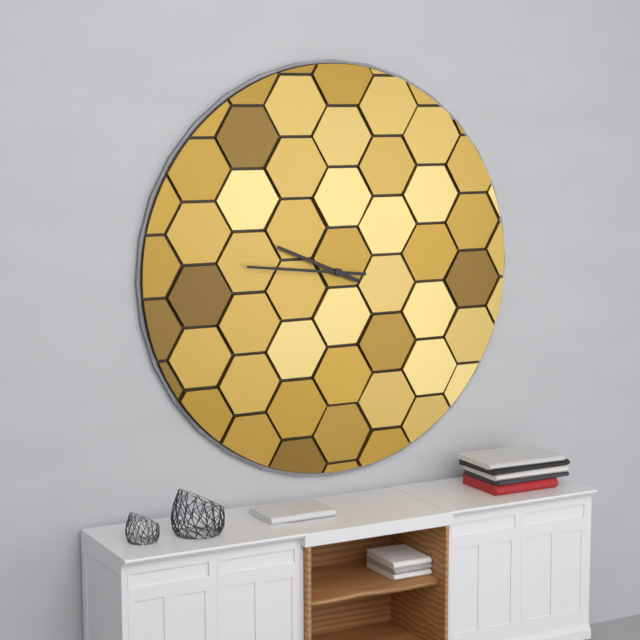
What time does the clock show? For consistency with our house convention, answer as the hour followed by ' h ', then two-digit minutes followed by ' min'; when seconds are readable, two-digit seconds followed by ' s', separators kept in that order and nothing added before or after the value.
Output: 9 h 46 min
